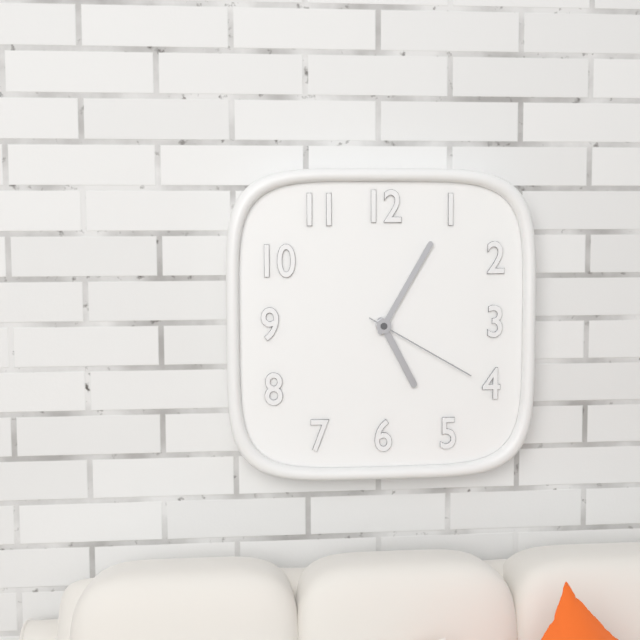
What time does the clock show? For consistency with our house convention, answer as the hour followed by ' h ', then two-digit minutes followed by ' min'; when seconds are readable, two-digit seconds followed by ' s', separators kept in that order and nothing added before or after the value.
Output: 5 h 05 min 20 s
